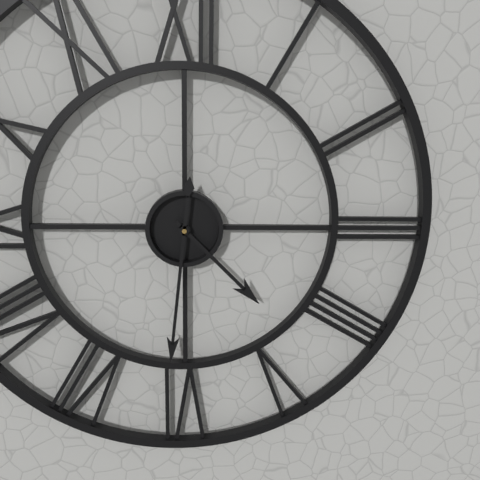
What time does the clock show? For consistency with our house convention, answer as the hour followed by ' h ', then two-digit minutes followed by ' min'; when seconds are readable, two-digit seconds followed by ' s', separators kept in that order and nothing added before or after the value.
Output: 4 h 31 min
